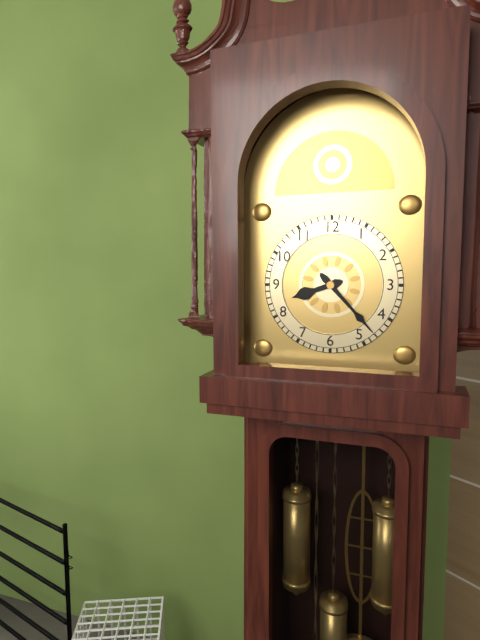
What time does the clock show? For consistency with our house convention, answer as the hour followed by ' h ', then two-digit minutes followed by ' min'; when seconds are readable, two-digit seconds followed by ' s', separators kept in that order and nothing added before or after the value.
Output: 8 h 23 min
